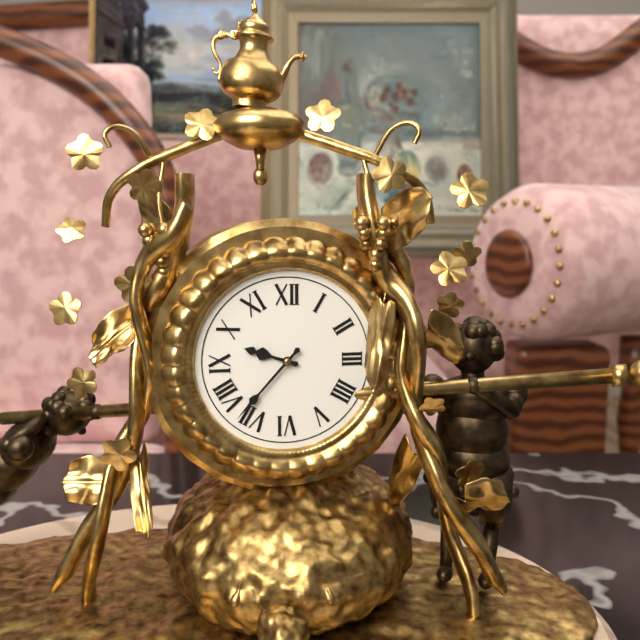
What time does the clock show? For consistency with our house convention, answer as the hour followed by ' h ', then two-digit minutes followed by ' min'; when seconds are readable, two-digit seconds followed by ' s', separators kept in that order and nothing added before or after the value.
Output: 9 h 37 min
